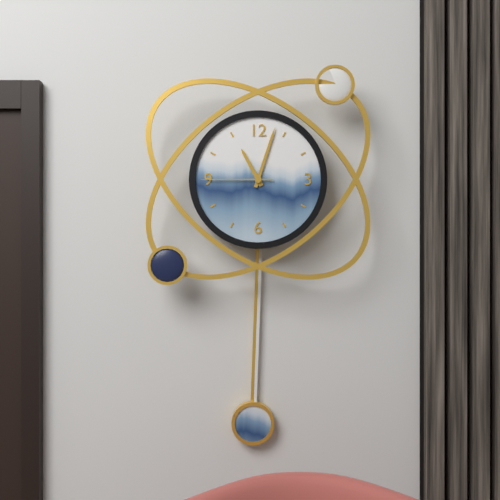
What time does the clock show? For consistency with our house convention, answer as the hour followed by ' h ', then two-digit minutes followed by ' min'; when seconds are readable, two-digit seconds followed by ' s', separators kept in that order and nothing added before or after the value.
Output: 11 h 03 min 45 s
